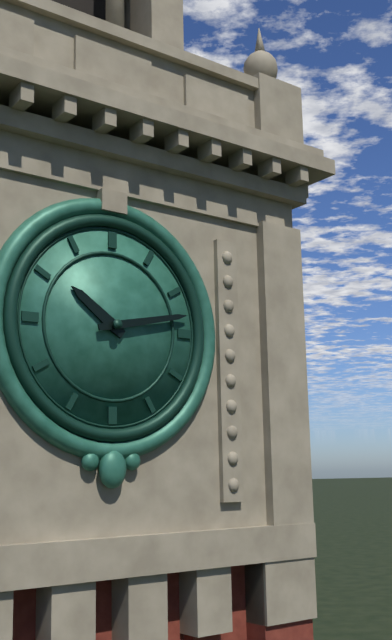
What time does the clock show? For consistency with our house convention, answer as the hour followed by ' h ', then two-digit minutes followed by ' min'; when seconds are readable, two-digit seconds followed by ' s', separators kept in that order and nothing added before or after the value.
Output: 10 h 13 min
